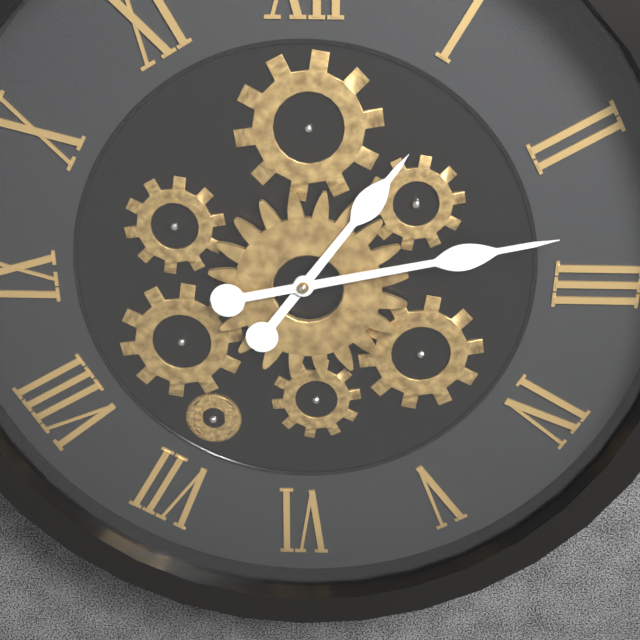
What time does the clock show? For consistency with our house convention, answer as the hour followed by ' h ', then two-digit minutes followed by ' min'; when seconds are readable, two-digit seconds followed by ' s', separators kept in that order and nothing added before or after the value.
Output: 1 h 13 min
